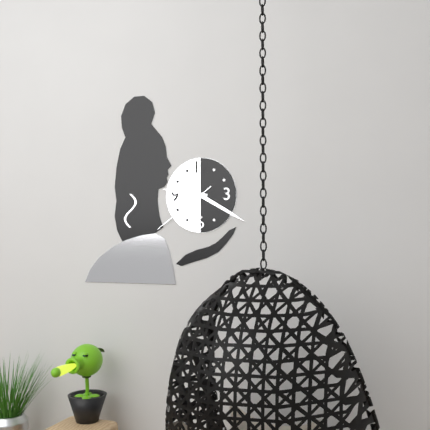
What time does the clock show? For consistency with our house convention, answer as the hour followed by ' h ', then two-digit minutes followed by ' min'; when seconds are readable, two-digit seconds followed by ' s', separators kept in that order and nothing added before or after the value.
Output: 9 h 20 min 39 s
